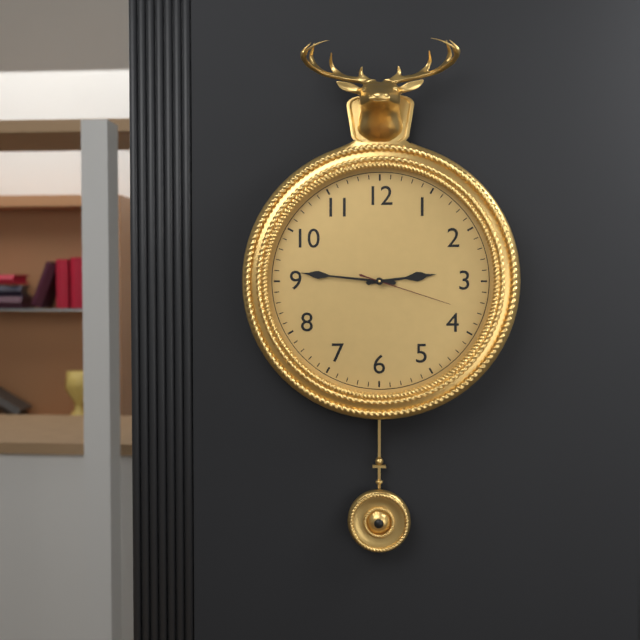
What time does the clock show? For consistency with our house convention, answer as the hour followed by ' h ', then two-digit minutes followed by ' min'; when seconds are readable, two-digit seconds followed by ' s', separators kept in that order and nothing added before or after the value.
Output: 2 h 46 min 18 s
